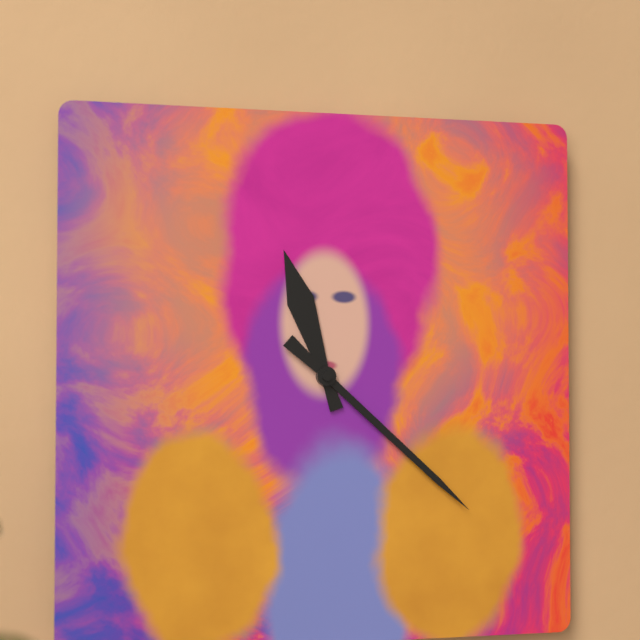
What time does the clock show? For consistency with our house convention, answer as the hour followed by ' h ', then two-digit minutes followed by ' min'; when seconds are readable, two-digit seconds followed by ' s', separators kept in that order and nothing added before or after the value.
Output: 11 h 22 min
